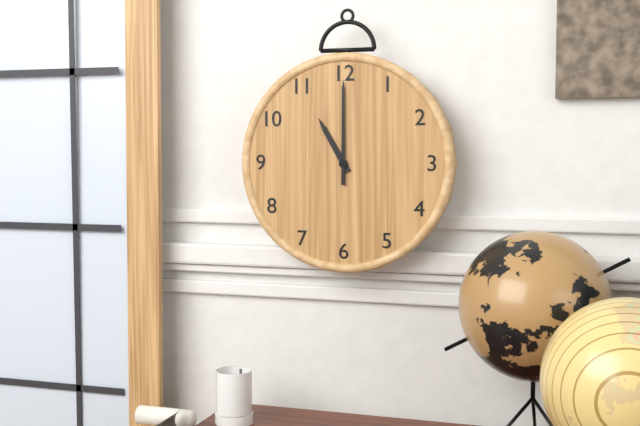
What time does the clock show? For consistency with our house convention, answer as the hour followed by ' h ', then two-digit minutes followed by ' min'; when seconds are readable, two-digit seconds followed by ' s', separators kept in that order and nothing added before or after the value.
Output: 11 h 00 min
